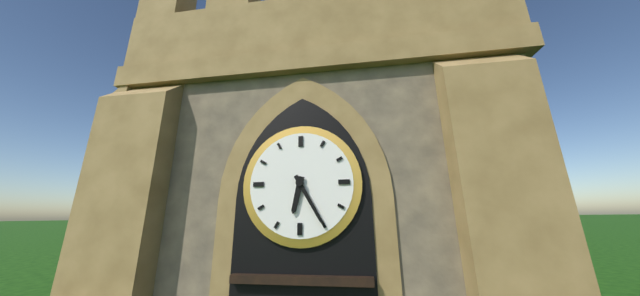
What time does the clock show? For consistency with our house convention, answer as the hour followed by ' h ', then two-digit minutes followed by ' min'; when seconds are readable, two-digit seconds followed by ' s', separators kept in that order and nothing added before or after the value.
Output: 6 h 25 min
